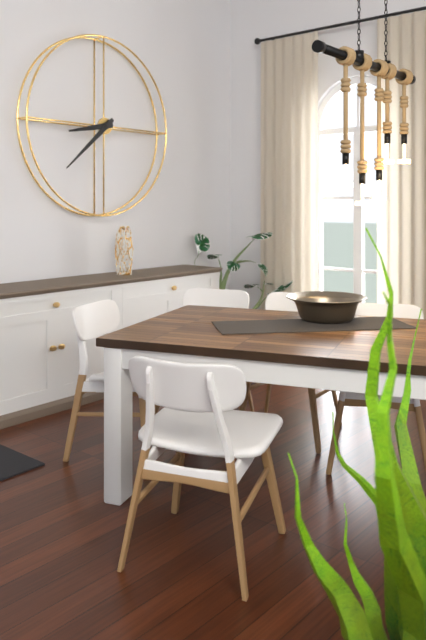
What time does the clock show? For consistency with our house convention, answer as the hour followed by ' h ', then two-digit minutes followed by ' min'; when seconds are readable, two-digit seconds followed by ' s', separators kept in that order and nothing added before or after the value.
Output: 8 h 38 min
